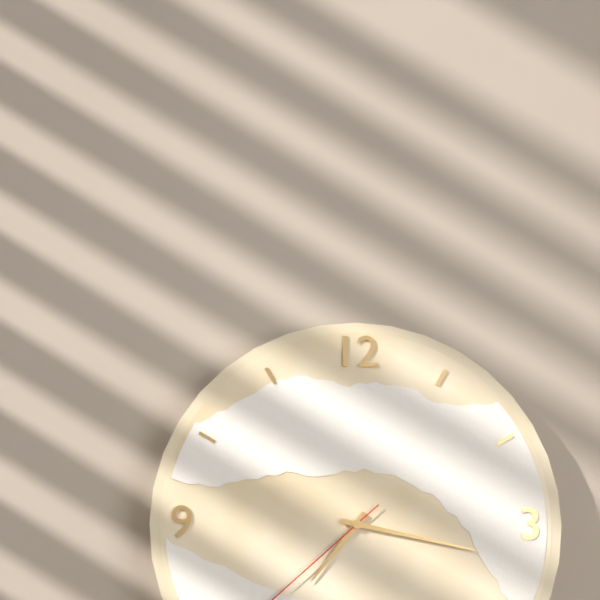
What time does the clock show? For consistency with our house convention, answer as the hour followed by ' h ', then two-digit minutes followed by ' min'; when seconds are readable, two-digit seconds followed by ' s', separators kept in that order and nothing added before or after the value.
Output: 7 h 17 min
